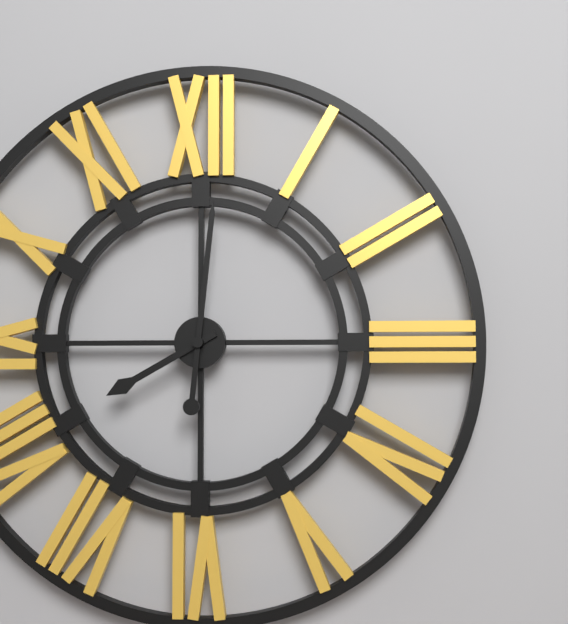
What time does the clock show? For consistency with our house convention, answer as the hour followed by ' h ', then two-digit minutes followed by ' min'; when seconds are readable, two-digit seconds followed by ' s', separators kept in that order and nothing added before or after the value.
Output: 8 h 01 min
